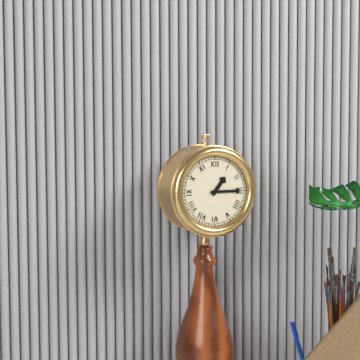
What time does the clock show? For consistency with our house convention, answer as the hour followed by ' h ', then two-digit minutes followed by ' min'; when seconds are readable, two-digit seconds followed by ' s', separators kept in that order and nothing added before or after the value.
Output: 1 h 15 min
